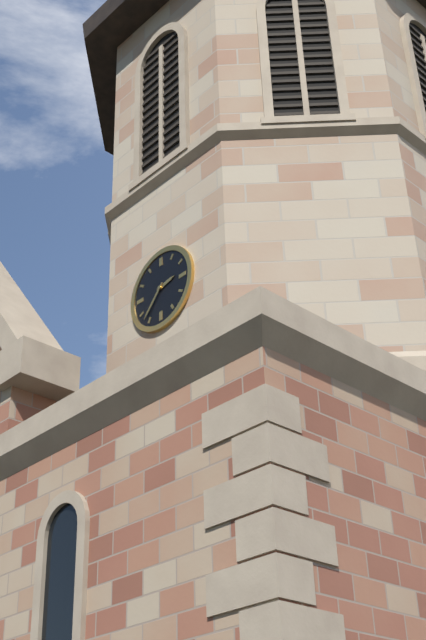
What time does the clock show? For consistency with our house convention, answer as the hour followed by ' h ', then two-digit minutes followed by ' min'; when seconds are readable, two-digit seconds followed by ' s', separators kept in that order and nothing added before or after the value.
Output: 2 h 37 min
